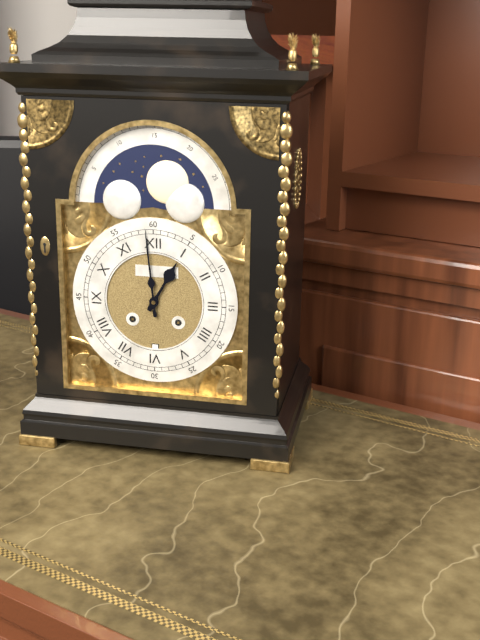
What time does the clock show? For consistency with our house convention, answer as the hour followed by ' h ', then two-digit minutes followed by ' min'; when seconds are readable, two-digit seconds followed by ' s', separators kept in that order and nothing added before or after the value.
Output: 12 h 59 min
